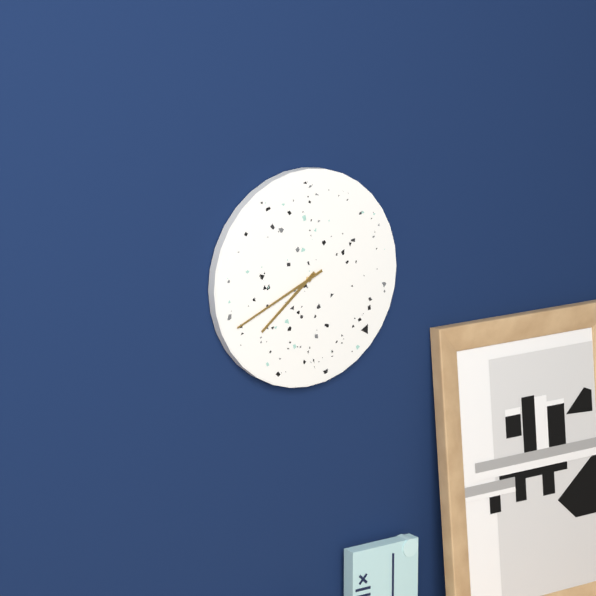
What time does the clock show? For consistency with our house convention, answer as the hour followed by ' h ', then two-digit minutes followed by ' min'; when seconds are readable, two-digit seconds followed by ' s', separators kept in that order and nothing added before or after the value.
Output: 7 h 41 min
